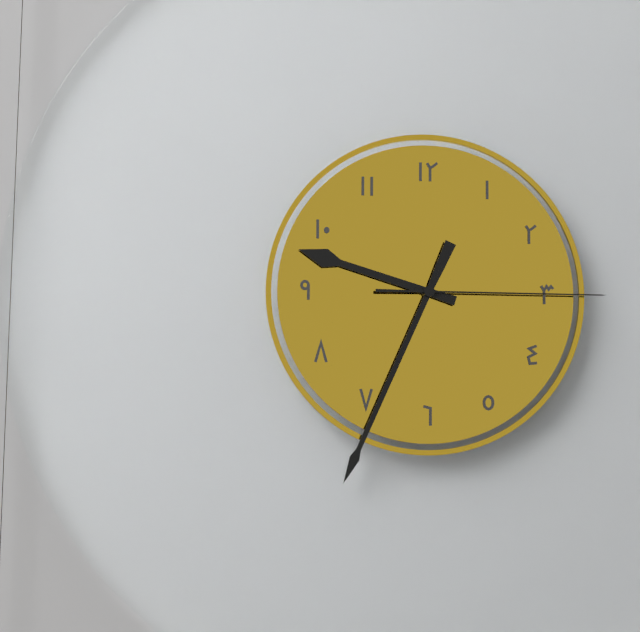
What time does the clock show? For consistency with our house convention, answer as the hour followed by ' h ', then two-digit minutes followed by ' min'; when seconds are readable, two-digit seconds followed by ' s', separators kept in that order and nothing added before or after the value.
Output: 9 h 34 min 15 s
